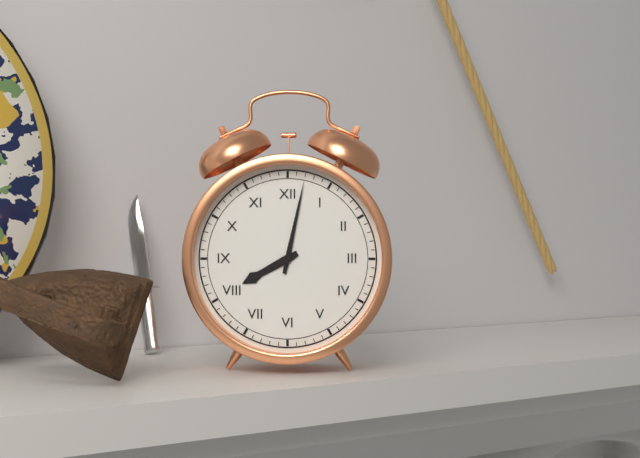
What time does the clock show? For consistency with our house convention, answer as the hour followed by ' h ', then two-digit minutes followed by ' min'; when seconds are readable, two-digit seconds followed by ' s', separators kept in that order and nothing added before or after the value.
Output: 8 h 02 min
